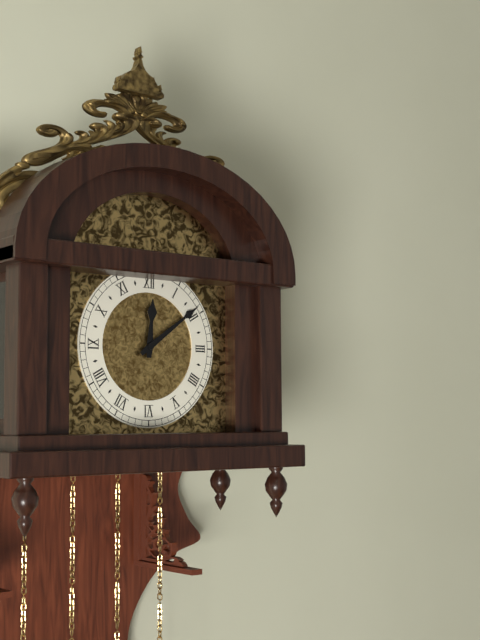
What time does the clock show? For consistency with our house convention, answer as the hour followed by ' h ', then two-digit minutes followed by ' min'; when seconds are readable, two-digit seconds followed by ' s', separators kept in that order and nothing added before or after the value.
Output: 12 h 09 min
